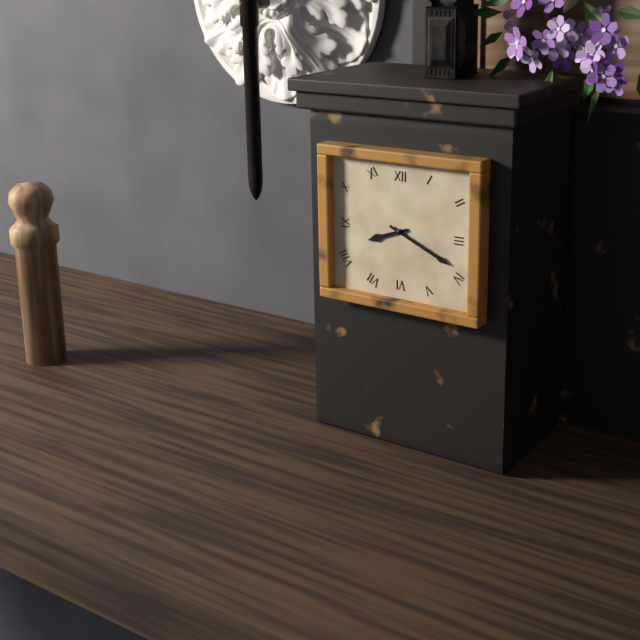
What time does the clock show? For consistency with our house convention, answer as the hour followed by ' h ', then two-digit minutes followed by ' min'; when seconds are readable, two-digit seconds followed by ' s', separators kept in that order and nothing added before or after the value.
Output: 8 h 19 min
